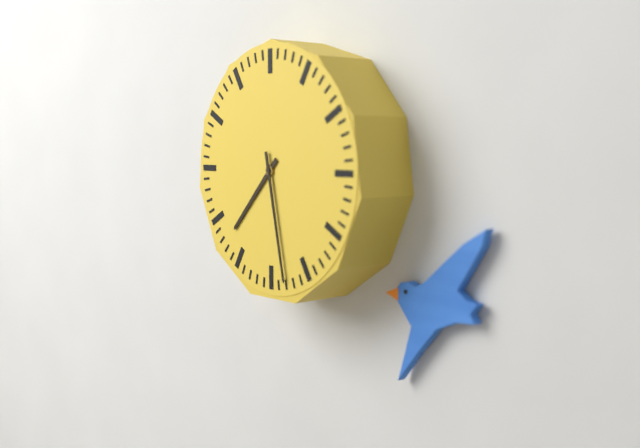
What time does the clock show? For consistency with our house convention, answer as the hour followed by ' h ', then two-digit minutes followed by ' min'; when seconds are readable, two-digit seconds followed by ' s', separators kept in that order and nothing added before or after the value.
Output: 7 h 28 min
